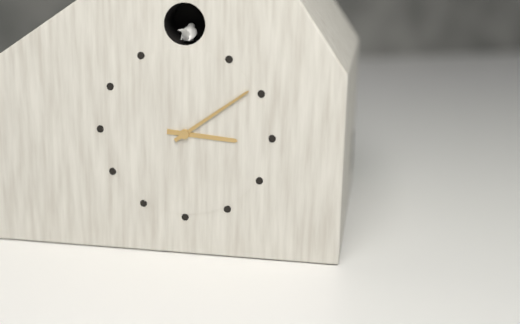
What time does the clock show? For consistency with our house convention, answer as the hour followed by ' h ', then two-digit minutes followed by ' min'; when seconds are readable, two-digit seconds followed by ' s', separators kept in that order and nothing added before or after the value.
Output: 3 h 09 min
